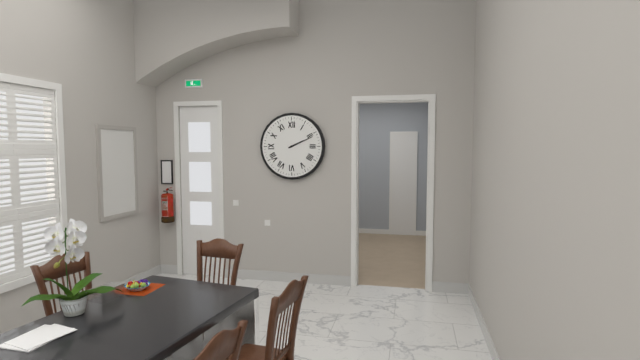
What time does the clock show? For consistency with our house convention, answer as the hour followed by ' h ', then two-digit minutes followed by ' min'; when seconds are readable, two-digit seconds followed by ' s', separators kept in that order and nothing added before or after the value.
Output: 2 h 11 min
